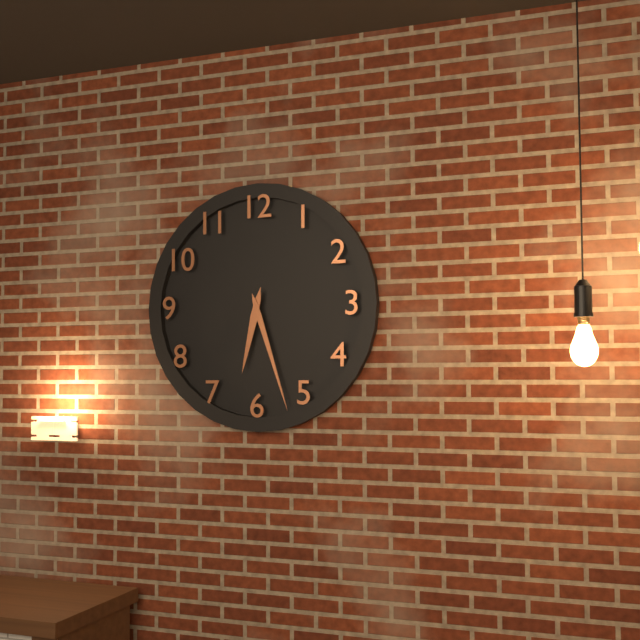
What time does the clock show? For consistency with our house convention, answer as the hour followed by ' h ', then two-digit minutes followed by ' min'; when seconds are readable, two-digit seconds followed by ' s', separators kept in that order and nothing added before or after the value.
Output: 6 h 27 min
